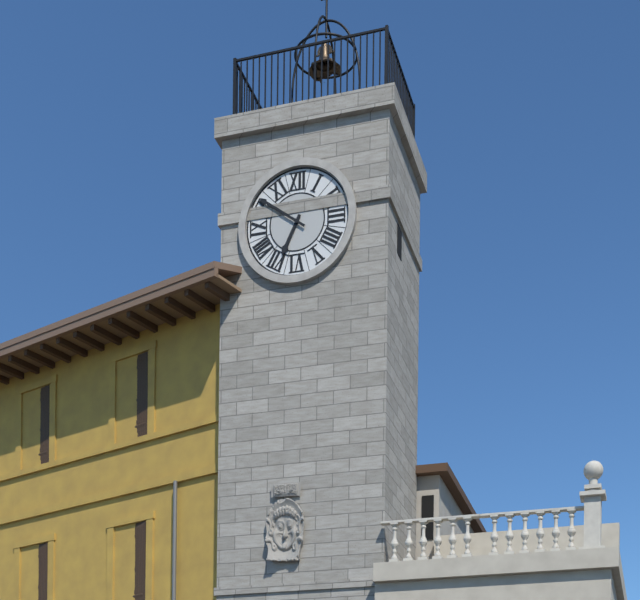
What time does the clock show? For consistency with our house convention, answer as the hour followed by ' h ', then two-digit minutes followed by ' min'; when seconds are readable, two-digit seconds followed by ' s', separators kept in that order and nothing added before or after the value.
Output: 6 h 51 min
